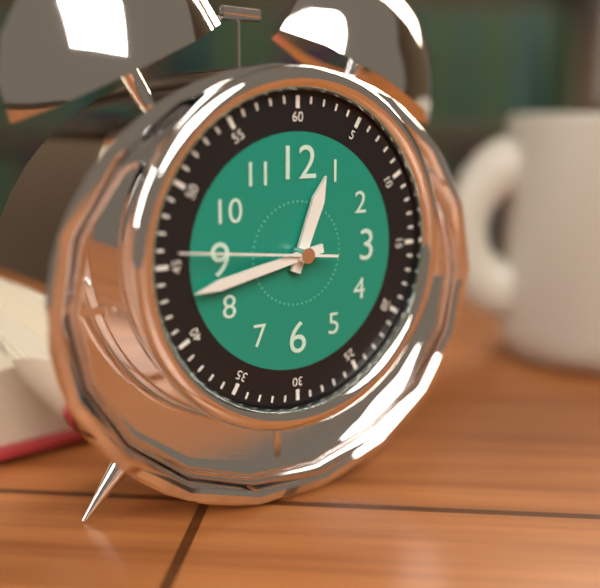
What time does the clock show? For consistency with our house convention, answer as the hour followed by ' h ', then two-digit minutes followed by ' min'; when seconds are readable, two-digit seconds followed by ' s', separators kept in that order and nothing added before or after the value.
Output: 12 h 43 min 46 s
